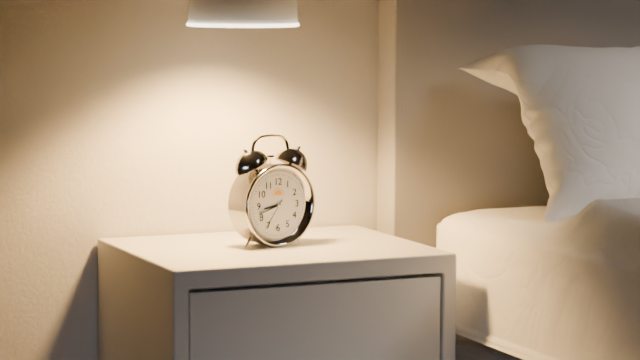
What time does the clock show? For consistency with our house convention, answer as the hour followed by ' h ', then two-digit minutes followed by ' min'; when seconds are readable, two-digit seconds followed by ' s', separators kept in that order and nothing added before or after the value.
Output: 8 h 42 min
